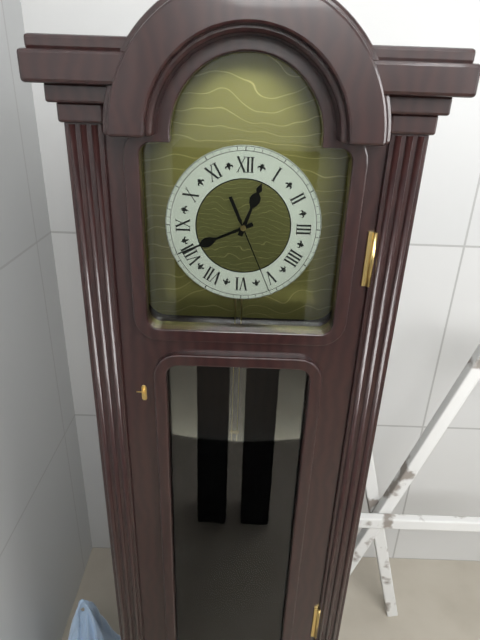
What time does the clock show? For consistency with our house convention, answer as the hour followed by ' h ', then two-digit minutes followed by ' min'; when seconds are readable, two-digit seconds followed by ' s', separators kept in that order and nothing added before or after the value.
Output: 12 h 41 min 26 s
